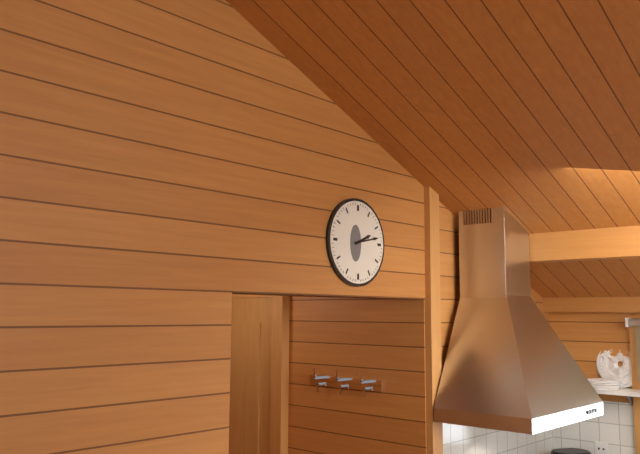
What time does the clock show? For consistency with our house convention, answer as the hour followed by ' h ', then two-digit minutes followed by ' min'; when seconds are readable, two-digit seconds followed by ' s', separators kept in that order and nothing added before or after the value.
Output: 2 h 13 min
